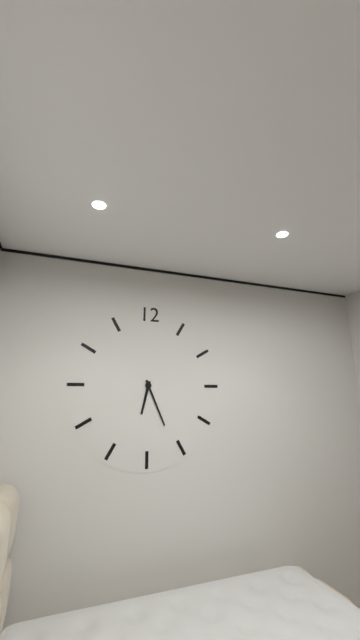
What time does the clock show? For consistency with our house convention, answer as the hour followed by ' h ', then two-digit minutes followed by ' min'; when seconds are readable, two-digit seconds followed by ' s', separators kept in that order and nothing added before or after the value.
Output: 6 h 26 min
